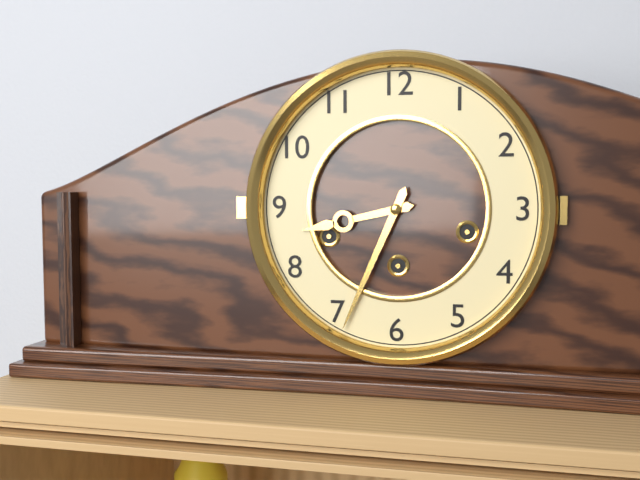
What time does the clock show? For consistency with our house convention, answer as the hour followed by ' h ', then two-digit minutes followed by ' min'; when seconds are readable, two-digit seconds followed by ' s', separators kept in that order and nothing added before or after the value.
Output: 8 h 34 min
